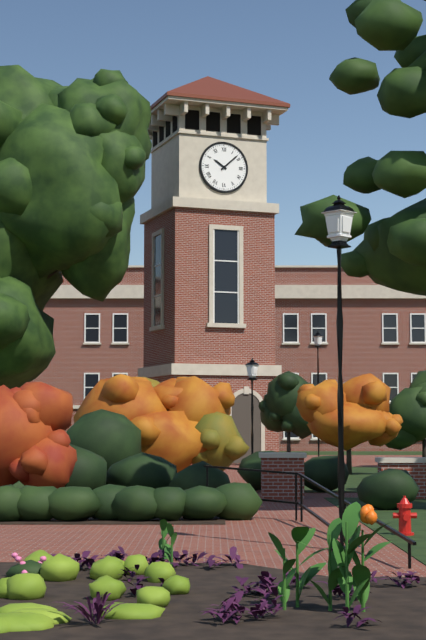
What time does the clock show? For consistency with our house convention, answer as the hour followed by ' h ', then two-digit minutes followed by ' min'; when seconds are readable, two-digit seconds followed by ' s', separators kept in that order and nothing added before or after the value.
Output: 10 h 08 min
